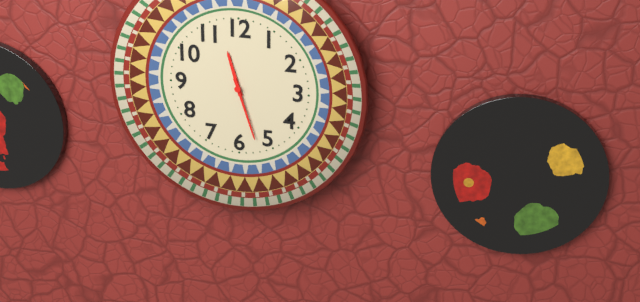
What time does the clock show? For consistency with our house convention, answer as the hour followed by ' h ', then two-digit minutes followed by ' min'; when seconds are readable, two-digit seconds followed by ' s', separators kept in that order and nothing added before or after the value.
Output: 11 h 27 min
